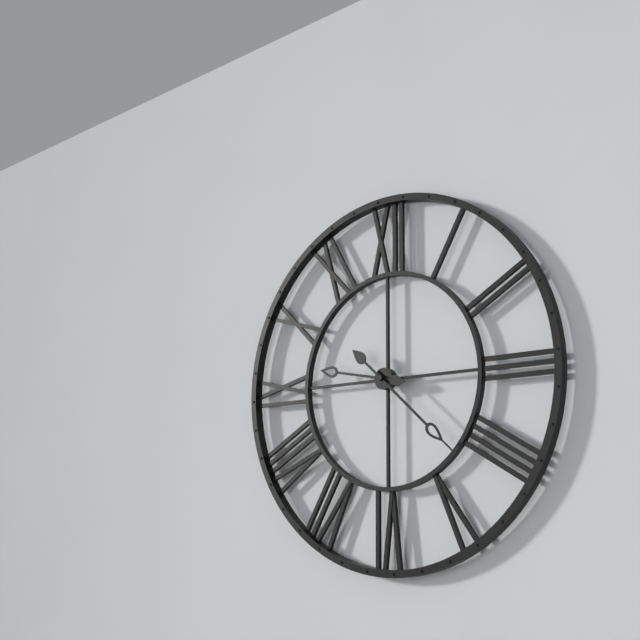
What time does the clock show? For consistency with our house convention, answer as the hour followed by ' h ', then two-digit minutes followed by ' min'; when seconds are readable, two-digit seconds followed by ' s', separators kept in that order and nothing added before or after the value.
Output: 9 h 22 min
